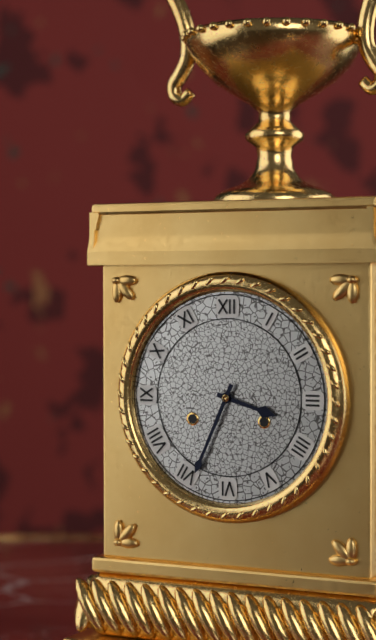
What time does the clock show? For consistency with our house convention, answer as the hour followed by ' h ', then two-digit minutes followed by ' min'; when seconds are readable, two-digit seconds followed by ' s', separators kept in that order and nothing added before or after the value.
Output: 3 h 34 min
